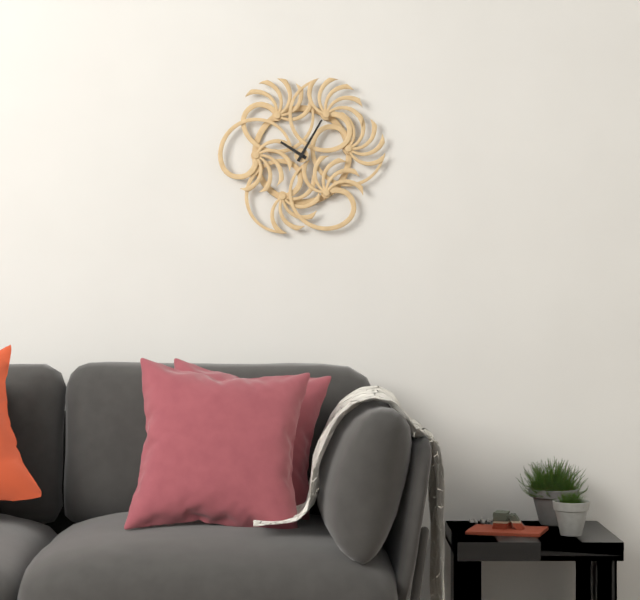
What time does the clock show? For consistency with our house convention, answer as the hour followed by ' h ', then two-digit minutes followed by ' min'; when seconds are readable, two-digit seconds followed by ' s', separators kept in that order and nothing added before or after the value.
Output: 10 h 05 min
